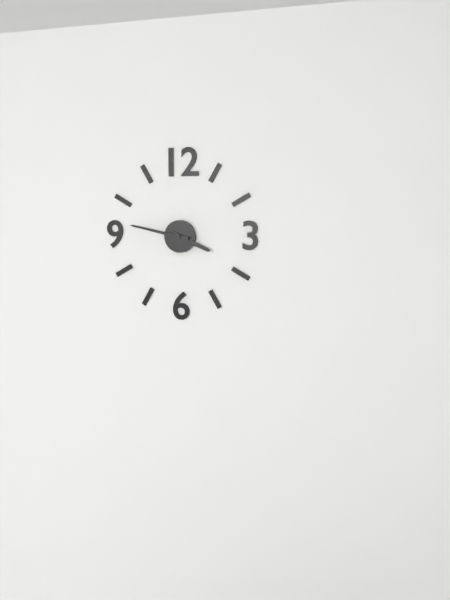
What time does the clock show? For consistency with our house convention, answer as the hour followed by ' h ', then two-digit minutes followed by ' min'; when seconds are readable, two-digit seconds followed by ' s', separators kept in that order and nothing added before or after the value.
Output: 3 h 47 min
